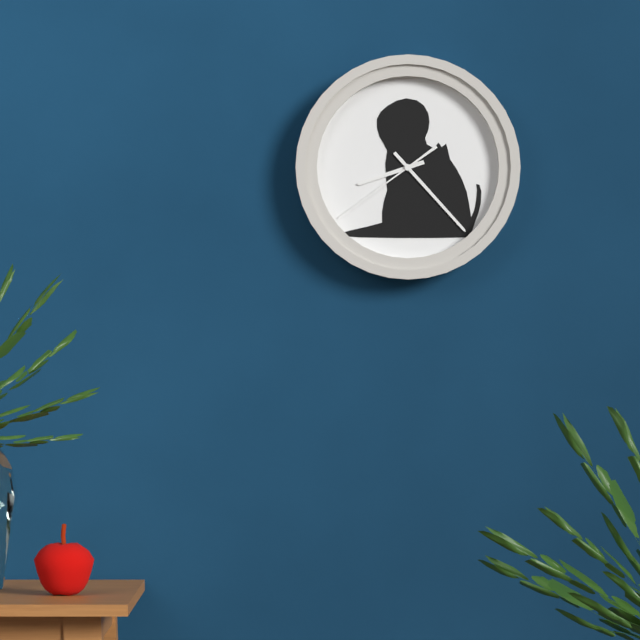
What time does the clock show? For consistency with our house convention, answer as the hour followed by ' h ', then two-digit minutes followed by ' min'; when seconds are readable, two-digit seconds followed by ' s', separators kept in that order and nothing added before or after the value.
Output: 8 h 23 min 39 s
